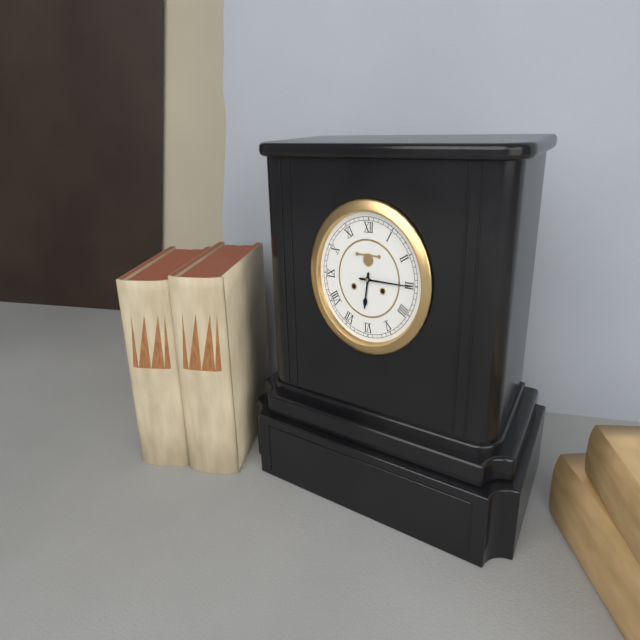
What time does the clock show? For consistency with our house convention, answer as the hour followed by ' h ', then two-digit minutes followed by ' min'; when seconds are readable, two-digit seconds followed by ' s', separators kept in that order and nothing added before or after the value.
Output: 6 h 15 min
